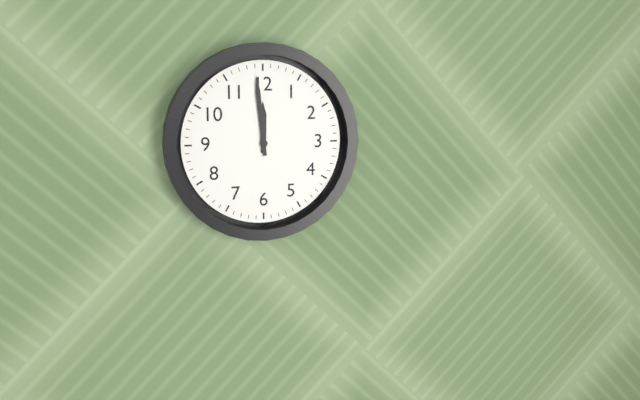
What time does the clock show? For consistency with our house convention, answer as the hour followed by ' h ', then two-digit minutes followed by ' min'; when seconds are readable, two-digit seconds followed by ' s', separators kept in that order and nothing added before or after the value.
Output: 11 h 59 min
